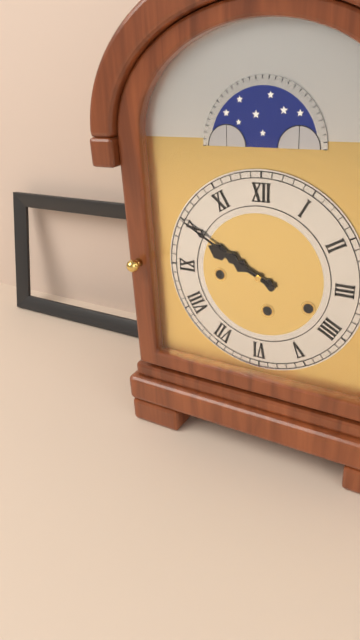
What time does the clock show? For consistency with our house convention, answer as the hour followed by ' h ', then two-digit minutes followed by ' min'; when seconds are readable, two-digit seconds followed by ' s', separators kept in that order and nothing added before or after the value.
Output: 9 h 50 min
